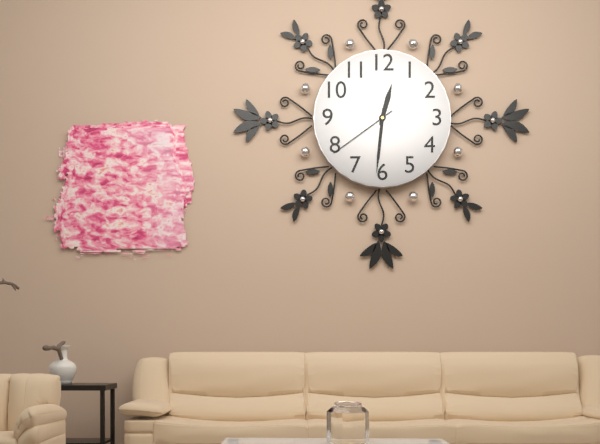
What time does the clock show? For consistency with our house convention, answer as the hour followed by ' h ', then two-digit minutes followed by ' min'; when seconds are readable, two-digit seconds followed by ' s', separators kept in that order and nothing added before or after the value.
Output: 12 h 31 min 39 s
